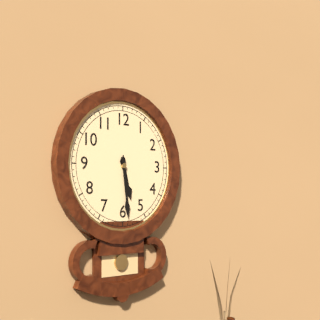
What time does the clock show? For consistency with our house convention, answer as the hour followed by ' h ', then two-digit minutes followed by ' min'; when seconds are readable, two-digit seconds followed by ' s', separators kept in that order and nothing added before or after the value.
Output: 5 h 29 min
